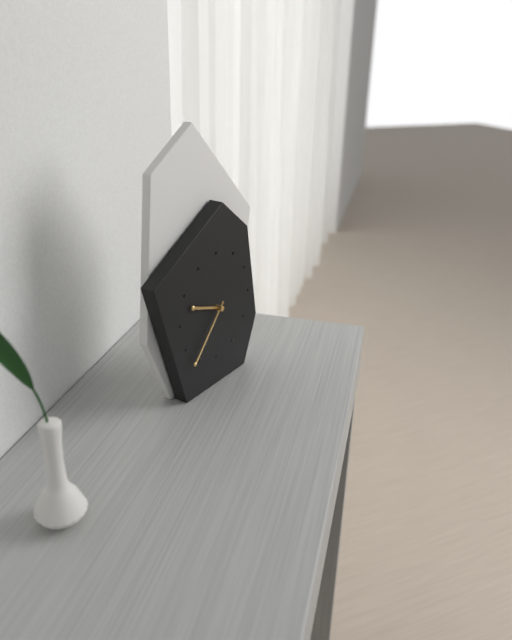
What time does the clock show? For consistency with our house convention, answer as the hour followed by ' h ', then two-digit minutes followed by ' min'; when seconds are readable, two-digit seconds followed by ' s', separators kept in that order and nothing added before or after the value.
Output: 9 h 37 min
